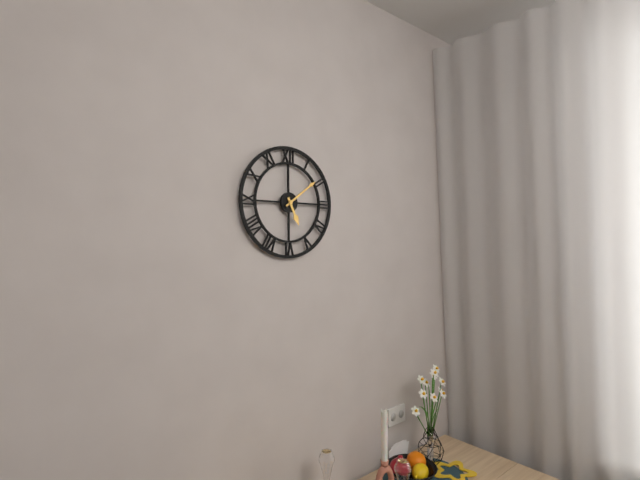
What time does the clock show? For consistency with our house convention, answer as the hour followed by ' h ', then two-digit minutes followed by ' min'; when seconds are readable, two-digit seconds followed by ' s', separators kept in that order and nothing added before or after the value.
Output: 5 h 09 min
